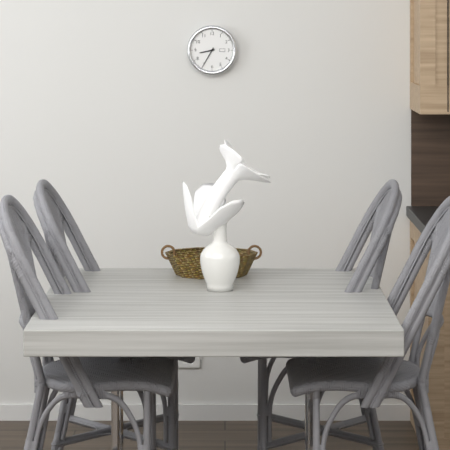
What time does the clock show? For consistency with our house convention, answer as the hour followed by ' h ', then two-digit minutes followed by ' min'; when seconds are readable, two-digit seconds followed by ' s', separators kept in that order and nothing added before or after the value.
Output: 8 h 35 min
